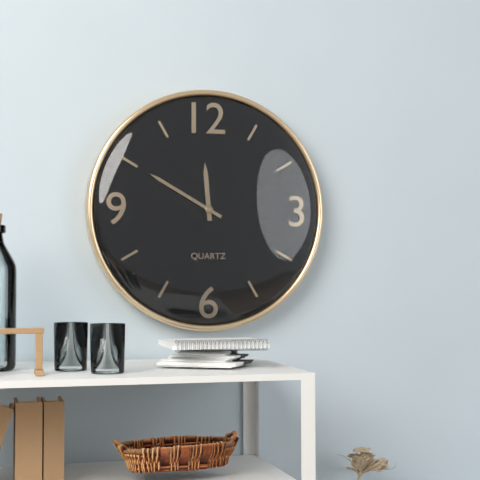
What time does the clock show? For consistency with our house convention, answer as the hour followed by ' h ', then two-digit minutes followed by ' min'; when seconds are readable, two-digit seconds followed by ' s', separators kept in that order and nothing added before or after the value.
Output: 11 h 50 min
